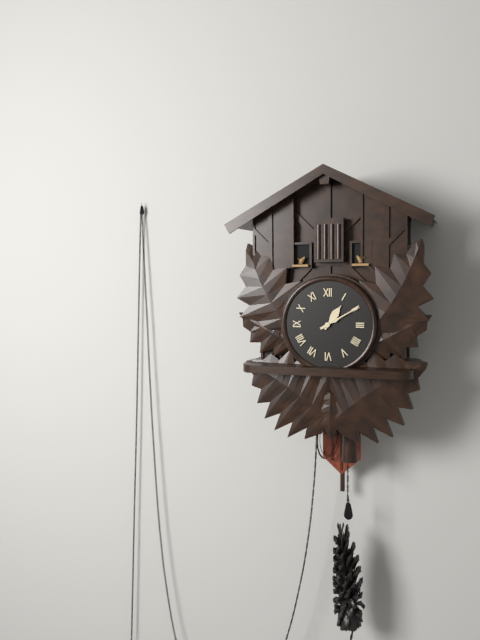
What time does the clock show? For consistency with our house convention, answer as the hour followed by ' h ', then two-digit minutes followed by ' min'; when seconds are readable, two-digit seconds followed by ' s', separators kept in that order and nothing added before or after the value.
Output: 1 h 10 min
